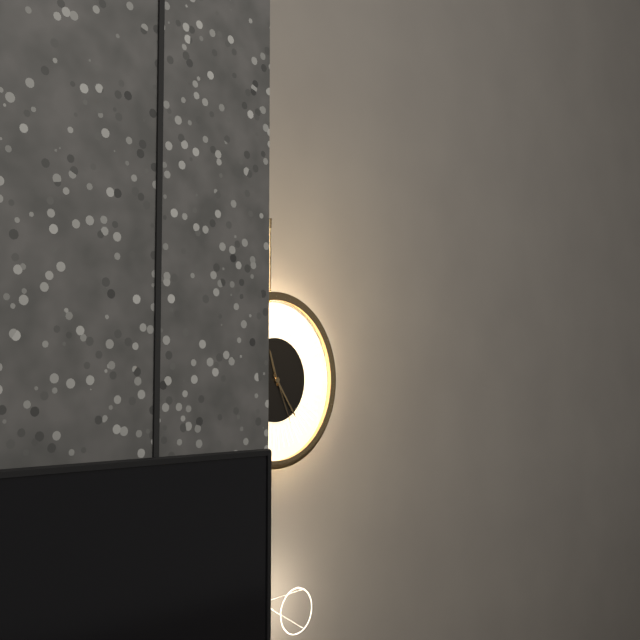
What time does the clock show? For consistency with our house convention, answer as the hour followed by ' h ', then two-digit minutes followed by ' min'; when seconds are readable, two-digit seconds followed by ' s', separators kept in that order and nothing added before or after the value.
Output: 11 h 24 min 26 s
